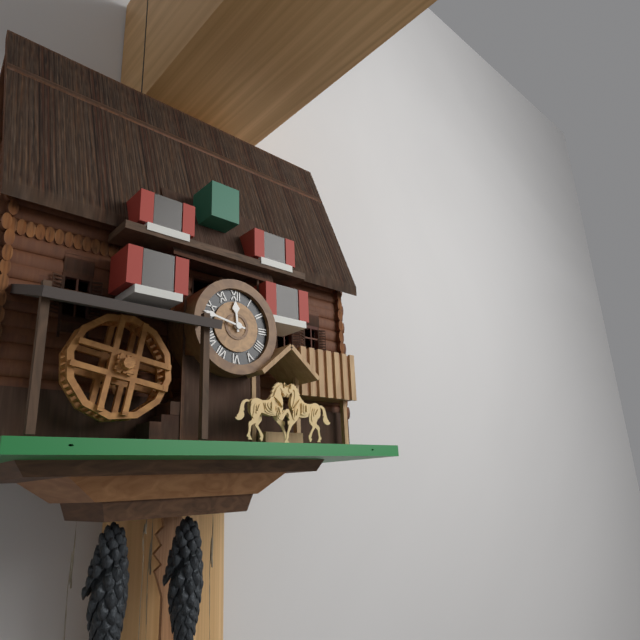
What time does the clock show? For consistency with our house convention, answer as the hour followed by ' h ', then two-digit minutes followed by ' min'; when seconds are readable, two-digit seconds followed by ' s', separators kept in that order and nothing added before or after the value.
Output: 11 h 47 min
